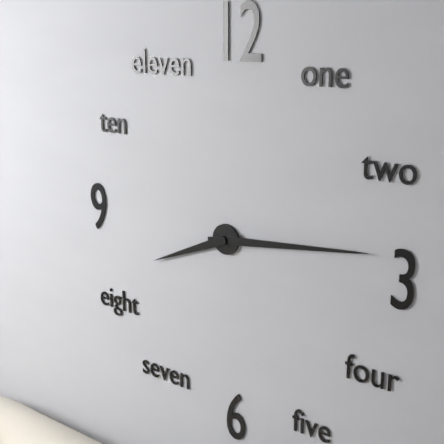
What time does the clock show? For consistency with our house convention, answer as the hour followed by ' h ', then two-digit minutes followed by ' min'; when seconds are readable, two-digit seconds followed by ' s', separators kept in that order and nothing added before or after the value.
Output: 8 h 14 min
